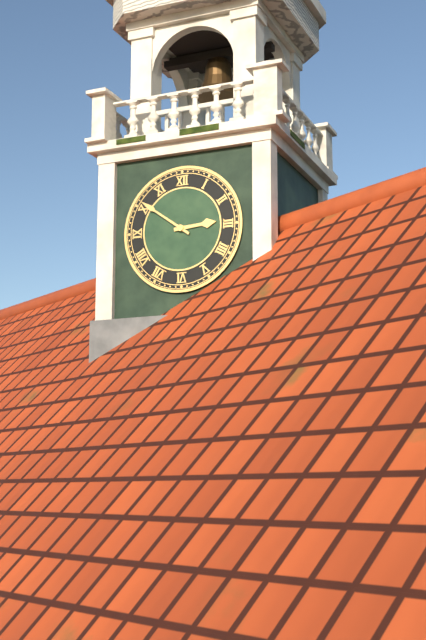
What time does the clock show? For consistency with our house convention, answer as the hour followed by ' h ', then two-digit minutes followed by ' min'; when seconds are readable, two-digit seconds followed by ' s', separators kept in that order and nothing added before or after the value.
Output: 2 h 51 min
